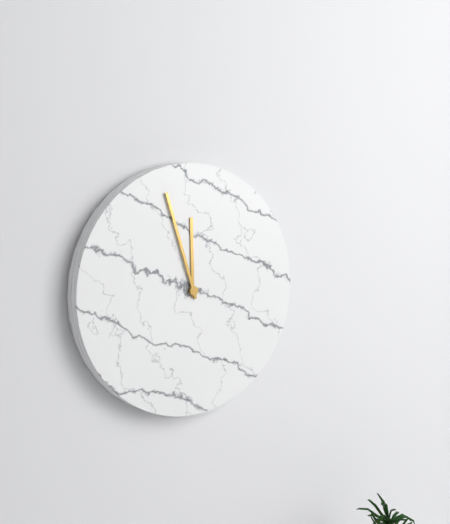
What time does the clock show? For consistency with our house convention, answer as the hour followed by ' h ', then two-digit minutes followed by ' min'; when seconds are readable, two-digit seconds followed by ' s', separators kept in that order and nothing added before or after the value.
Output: 11 h 57 min
